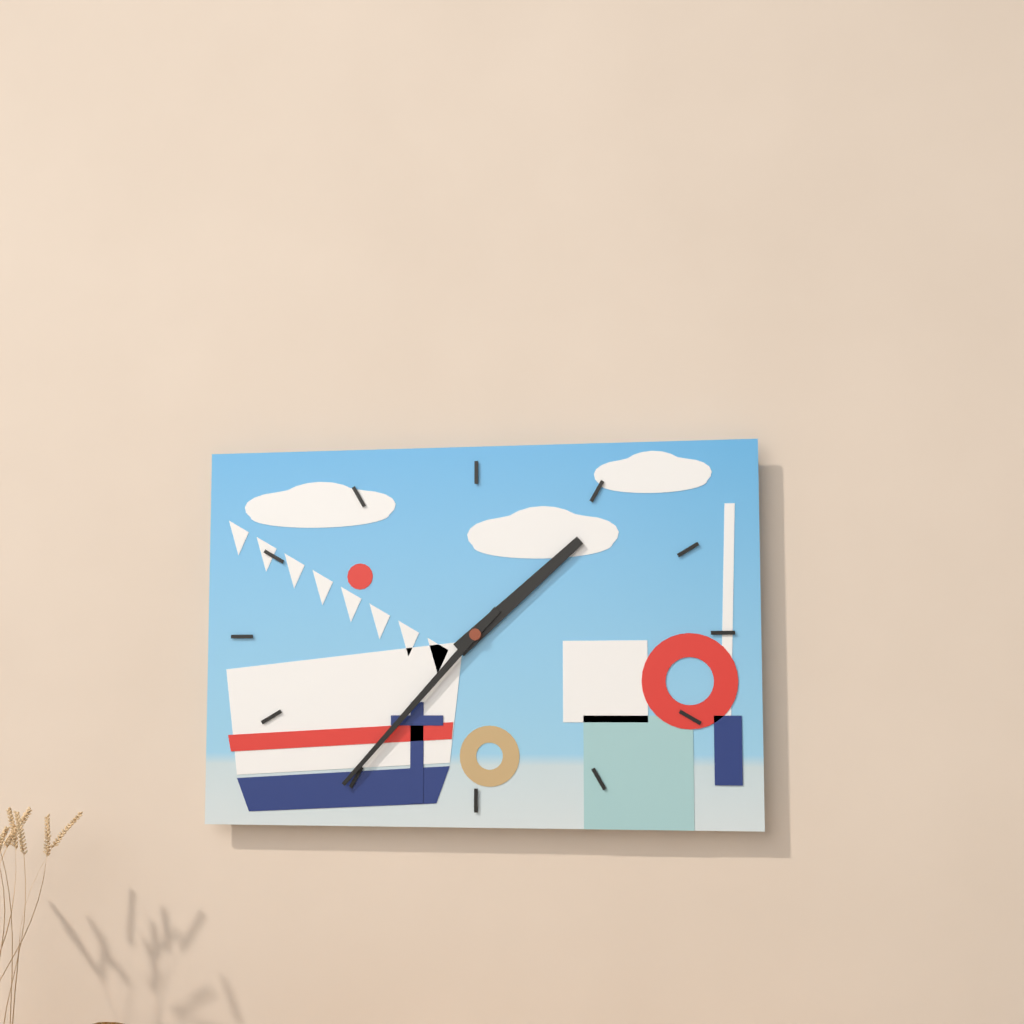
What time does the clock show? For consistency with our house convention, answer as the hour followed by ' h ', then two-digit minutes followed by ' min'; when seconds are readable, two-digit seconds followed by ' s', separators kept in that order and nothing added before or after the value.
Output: 1 h 37 min
